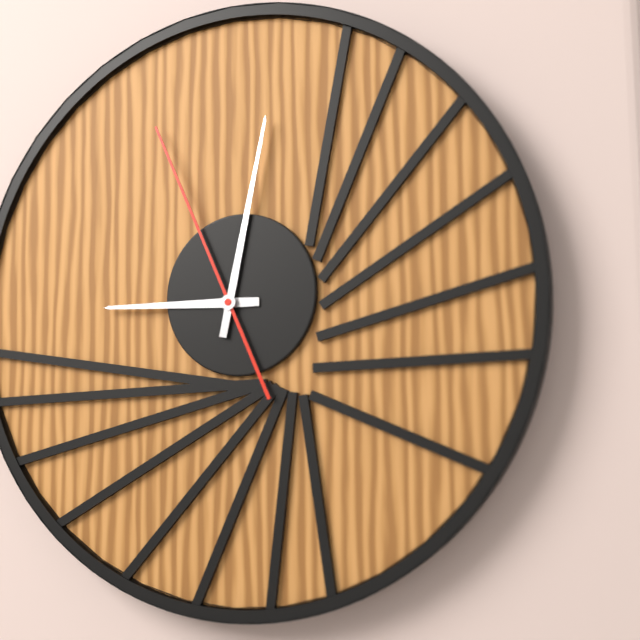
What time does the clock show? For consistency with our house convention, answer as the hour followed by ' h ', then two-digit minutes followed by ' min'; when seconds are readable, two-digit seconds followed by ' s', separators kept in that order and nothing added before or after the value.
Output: 9 h 02 min 56 s
